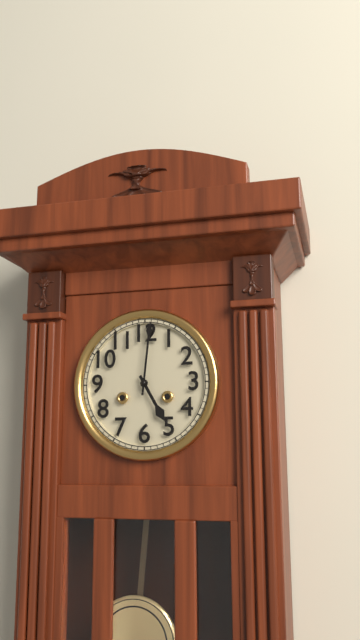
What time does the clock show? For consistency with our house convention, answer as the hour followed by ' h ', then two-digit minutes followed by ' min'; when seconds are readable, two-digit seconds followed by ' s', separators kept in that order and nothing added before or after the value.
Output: 5 h 01 min
